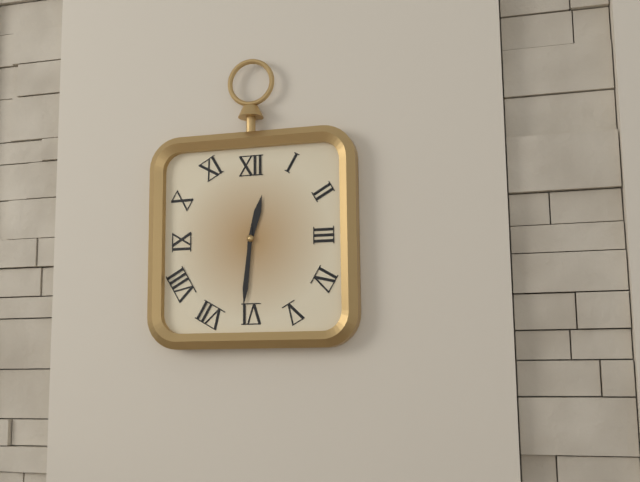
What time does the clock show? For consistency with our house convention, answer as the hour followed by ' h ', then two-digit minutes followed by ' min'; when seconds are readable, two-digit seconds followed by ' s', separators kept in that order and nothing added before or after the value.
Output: 12 h 31 min
